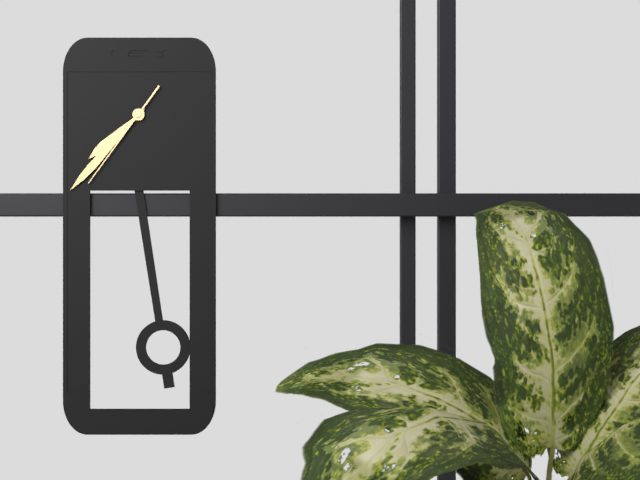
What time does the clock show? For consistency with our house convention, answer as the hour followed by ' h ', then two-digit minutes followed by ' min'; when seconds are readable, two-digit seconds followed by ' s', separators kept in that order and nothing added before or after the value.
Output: 7 h 37 min 36 s
